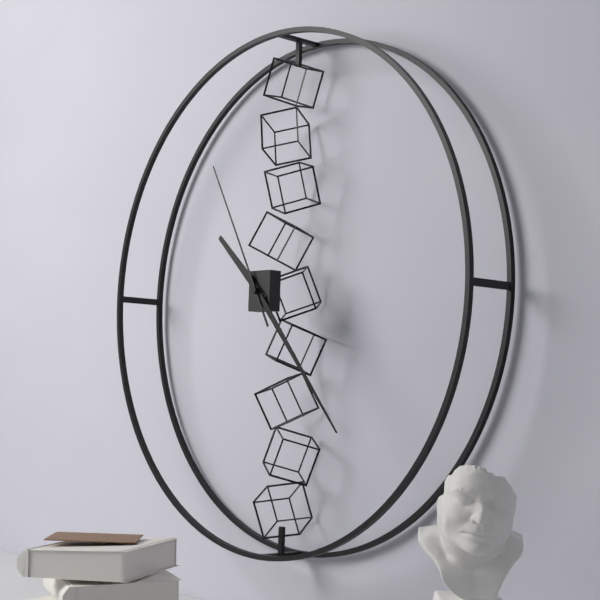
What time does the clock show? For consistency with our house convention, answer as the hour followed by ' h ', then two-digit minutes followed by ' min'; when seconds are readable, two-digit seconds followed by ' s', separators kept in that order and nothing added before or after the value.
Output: 10 h 23 min 55 s
